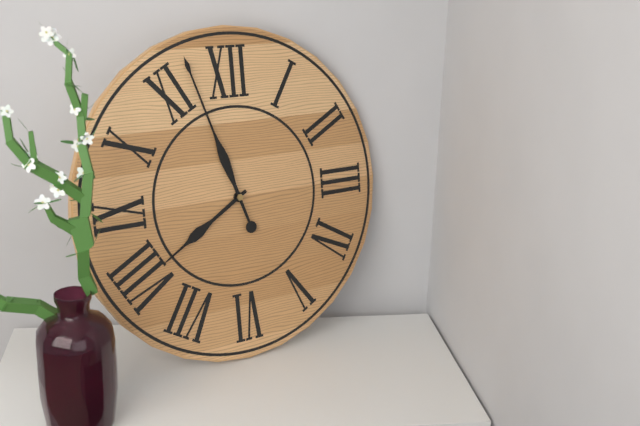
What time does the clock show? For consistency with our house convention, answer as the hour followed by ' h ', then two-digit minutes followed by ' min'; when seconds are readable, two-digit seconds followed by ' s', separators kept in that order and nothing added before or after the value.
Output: 7 h 57 min
